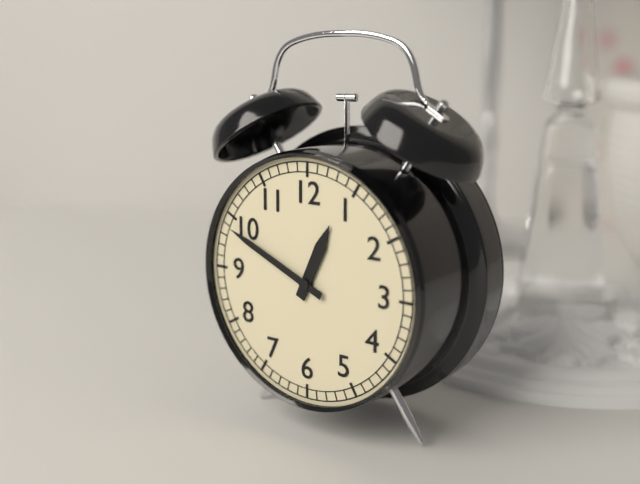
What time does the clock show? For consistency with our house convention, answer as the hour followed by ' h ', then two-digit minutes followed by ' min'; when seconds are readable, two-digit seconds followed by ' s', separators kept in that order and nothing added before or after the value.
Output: 12 h 49 min
